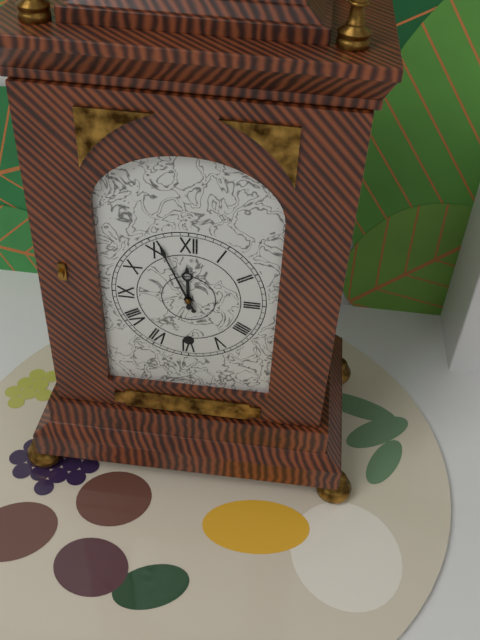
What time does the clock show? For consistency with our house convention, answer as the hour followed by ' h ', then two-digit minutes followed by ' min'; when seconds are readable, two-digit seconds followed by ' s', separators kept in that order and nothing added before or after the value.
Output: 11 h 56 min
